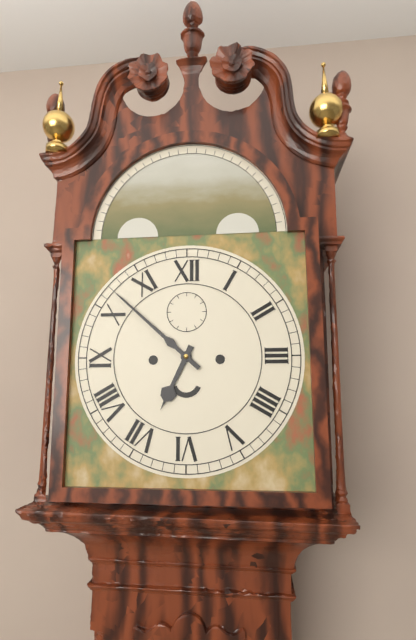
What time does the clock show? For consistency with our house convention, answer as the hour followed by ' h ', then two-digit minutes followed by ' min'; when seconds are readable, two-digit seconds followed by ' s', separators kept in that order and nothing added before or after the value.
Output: 6 h 52 min
